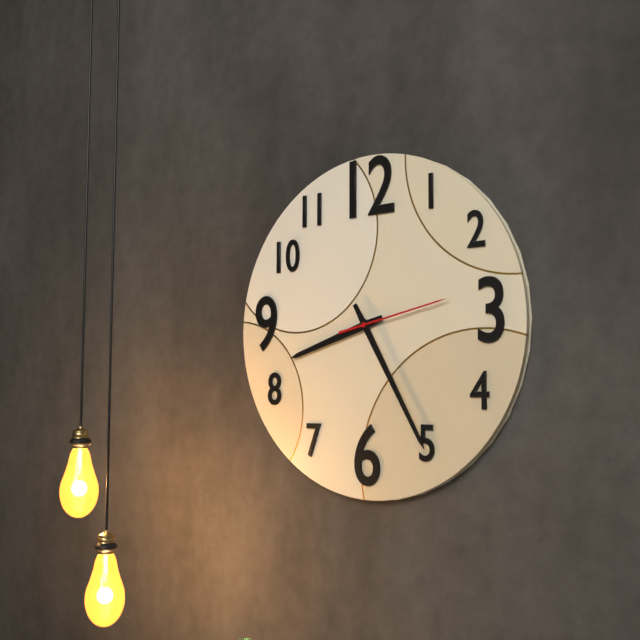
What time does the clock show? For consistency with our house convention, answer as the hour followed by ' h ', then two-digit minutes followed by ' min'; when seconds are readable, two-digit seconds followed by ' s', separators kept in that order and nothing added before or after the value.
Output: 8 h 25 min 13 s
